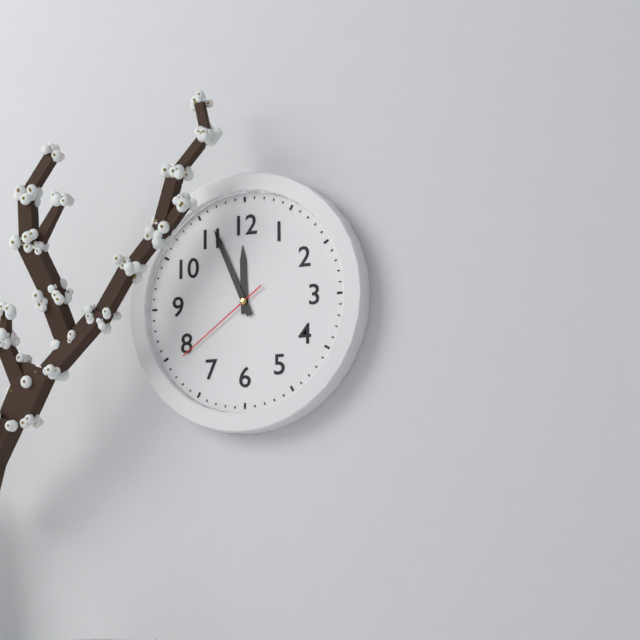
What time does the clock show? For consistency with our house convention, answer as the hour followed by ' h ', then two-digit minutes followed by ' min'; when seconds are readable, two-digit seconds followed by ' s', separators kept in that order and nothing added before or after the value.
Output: 11 h 56 min 39 s
